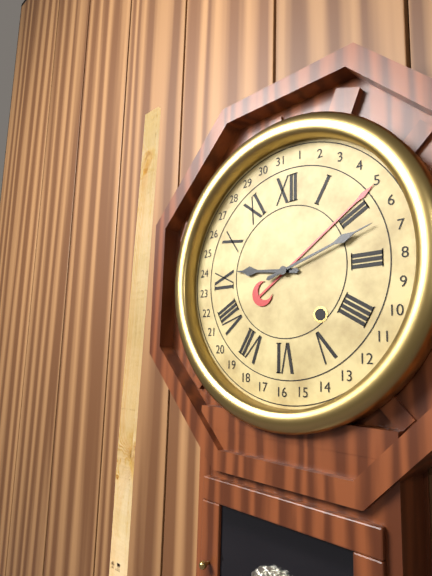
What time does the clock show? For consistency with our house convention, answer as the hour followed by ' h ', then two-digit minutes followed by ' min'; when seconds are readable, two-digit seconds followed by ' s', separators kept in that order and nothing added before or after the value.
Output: 9 h 12 min
